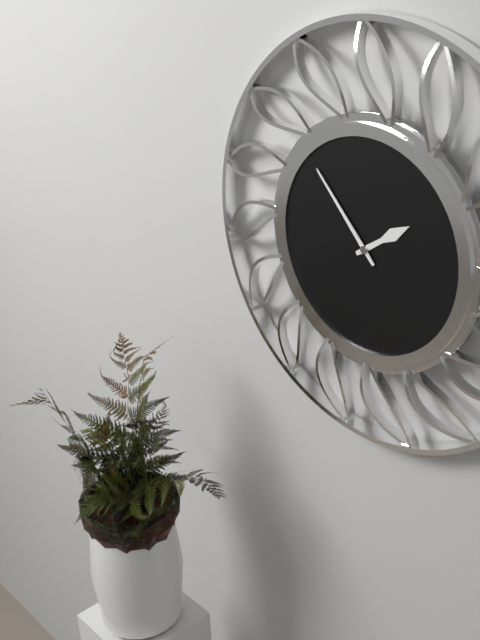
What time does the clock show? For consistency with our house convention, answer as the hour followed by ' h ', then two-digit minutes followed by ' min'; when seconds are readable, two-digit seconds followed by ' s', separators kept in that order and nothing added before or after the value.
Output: 1 h 53 min
